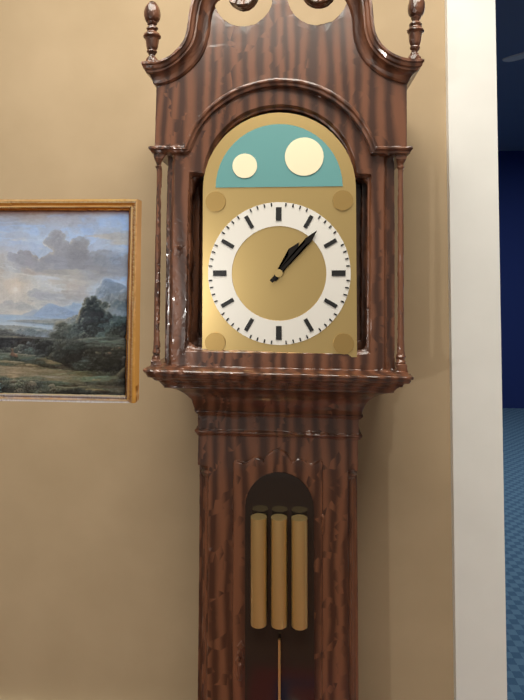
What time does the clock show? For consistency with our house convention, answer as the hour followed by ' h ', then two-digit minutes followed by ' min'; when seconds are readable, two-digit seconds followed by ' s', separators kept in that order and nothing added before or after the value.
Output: 1 h 07 min
